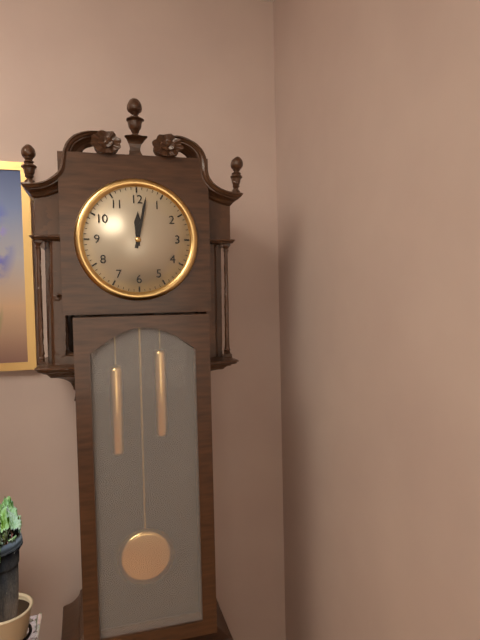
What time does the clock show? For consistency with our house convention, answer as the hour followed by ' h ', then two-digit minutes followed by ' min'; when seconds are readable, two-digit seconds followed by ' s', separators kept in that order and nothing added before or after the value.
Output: 12 h 02 min
